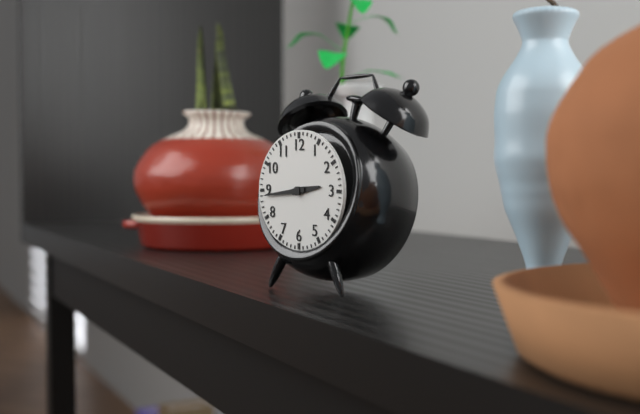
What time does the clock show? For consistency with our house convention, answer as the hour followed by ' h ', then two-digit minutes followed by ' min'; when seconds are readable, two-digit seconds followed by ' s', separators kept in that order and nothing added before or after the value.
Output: 2 h 44 min
